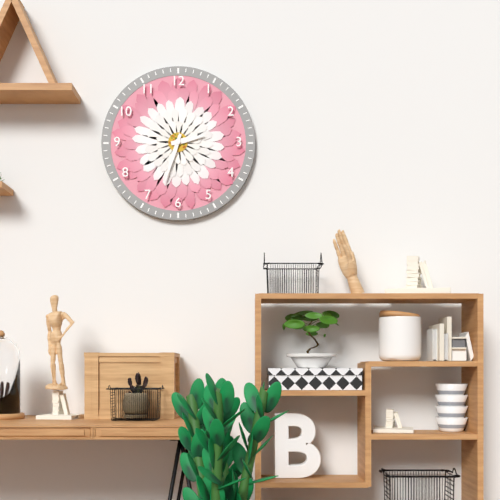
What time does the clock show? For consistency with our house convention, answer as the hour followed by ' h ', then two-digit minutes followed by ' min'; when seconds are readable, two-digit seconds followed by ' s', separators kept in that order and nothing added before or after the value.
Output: 2 h 33 min
